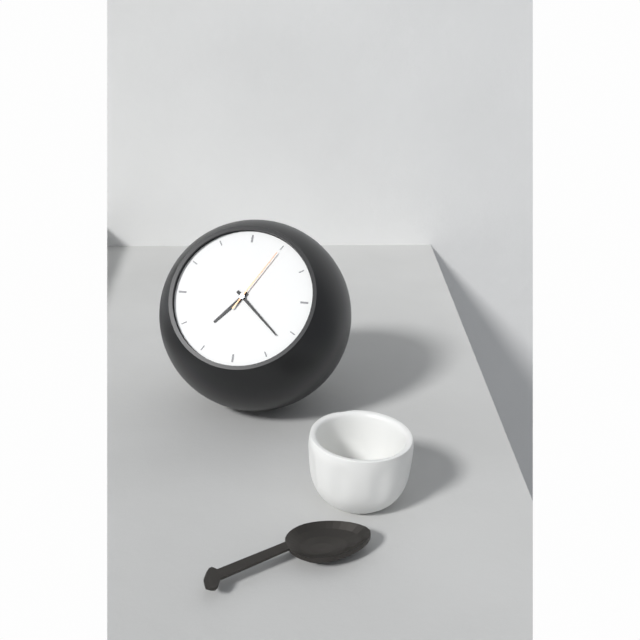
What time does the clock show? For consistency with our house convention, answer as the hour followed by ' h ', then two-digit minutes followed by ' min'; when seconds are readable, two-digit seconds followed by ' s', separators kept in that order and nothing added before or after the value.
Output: 7 h 22 min 05 s
